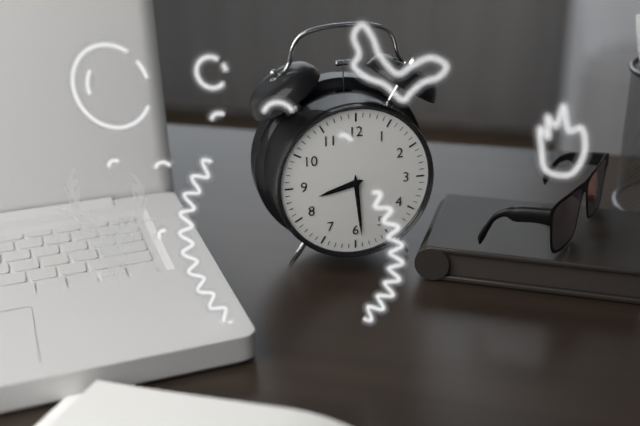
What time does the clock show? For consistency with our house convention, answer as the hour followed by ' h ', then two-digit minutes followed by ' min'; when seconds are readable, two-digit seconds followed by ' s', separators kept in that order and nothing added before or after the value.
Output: 8 h 29 min
